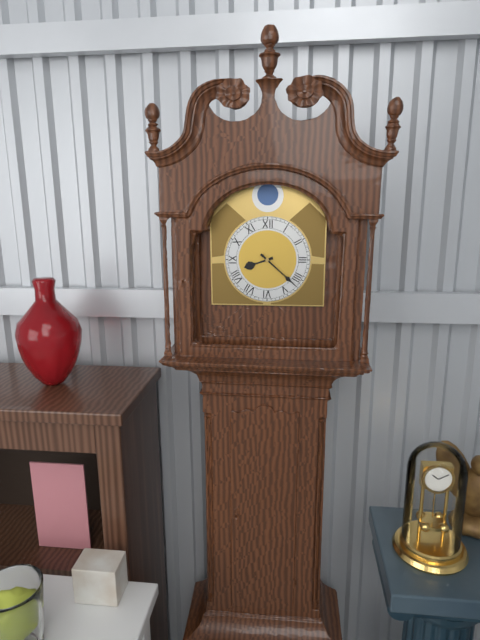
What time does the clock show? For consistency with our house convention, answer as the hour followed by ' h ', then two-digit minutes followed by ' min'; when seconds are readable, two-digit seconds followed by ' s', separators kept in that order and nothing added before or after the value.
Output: 8 h 22 min
